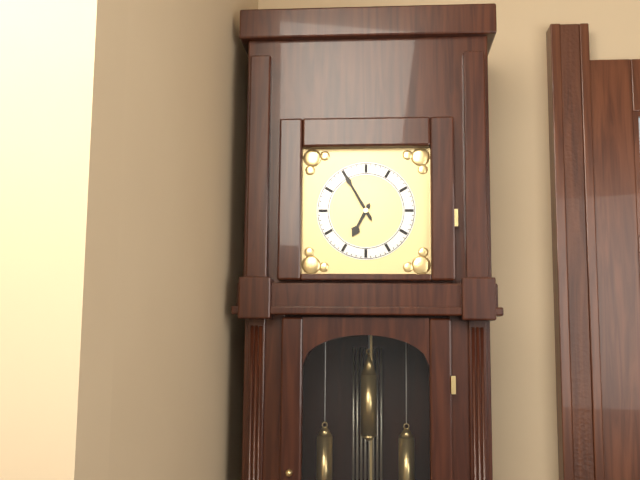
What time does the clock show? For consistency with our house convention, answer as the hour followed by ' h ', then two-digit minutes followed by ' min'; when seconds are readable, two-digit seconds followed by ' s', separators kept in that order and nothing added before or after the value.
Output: 6 h 55 min
